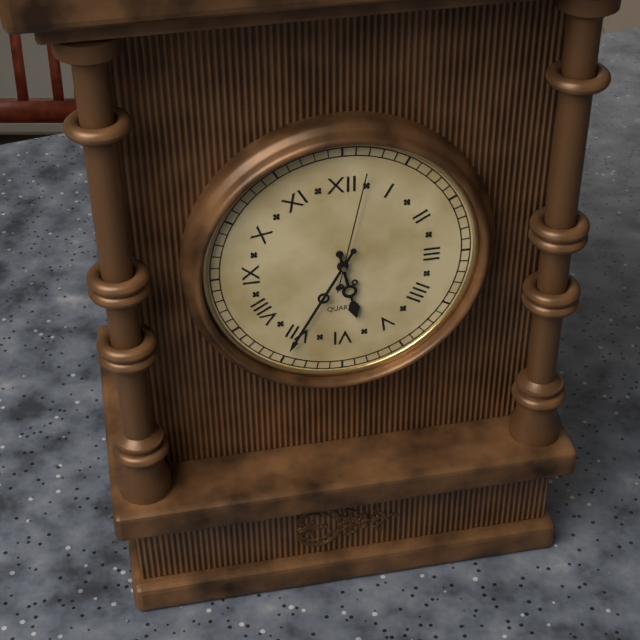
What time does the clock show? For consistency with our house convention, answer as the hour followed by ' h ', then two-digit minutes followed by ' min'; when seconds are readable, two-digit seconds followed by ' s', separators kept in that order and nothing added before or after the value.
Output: 5 h 35 min 02 s
